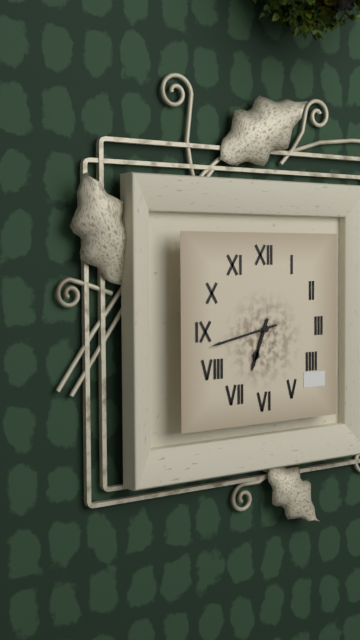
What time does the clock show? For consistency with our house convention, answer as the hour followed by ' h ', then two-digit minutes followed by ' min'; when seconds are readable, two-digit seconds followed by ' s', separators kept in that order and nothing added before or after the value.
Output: 6 h 43 min
